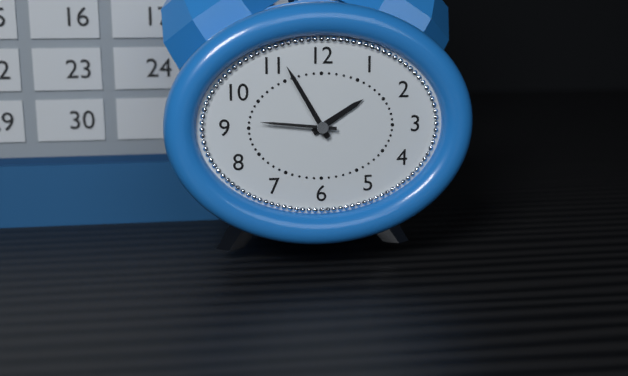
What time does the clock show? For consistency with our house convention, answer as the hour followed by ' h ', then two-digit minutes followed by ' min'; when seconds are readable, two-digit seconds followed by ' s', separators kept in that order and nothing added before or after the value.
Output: 1 h 55 min 46 s
